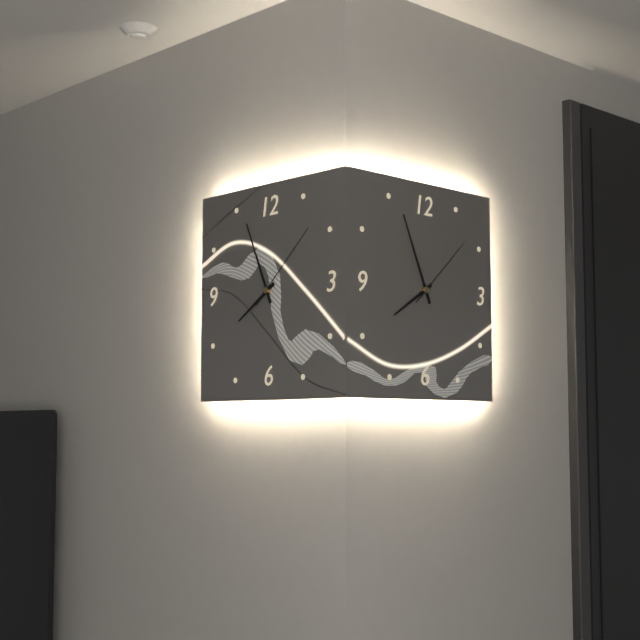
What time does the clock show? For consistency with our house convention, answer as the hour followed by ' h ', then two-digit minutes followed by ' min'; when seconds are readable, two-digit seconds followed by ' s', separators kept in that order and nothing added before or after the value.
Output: 7 h 56 min 08 s
